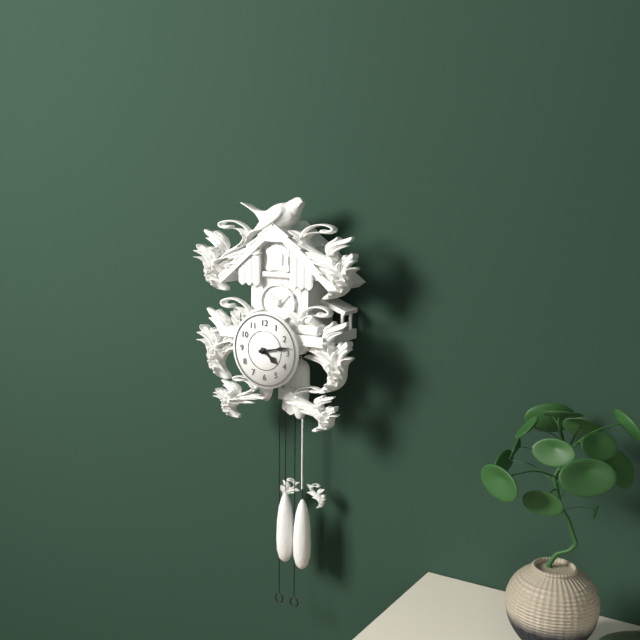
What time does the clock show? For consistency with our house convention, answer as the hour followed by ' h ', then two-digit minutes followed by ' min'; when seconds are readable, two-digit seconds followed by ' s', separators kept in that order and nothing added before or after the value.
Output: 4 h 13 min
